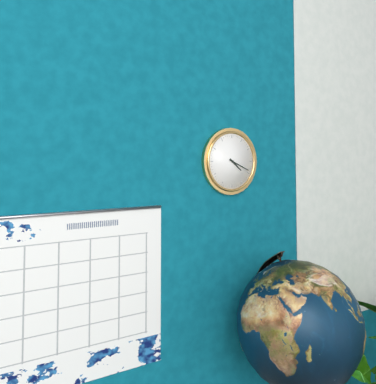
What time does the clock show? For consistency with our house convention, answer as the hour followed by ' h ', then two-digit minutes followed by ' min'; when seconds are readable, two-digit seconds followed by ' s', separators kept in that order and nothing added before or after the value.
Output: 4 h 19 min
